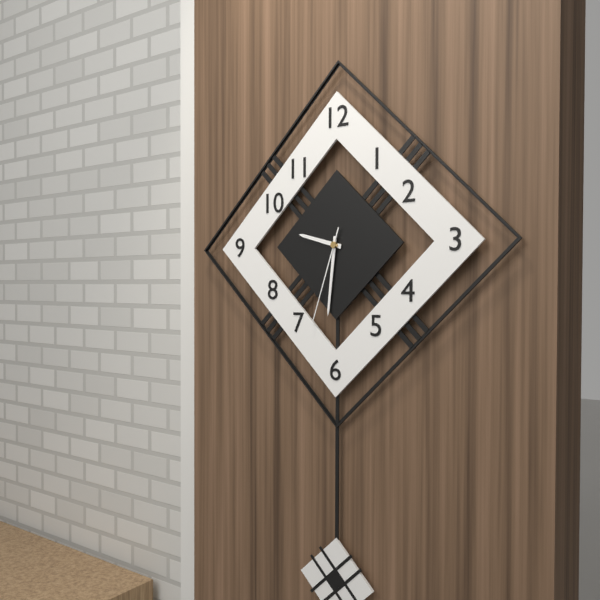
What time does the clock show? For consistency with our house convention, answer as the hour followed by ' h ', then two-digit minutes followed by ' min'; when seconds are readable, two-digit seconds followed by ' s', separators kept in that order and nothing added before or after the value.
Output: 9 h 31 min 33 s
